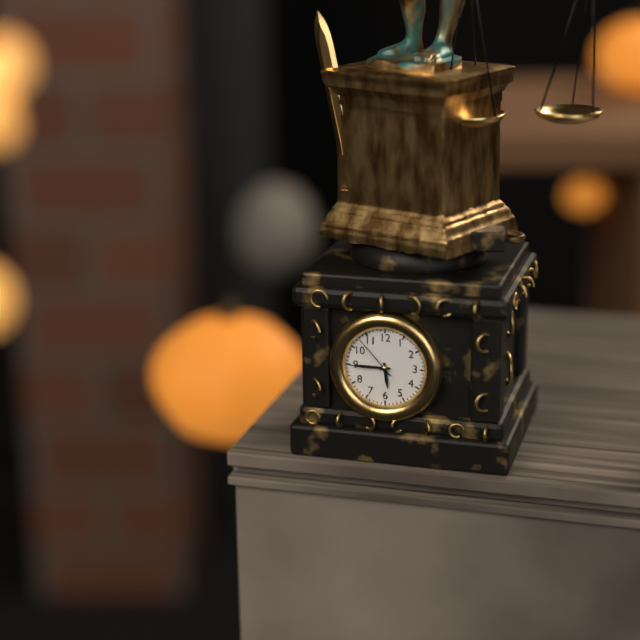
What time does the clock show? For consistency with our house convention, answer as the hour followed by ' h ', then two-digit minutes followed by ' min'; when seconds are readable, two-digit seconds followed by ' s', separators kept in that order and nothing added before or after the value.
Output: 5 h 45 min
